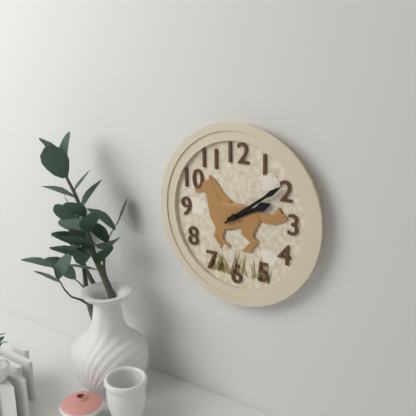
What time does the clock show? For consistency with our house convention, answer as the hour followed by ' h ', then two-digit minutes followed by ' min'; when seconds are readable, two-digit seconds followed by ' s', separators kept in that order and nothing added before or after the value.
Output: 2 h 09 min
